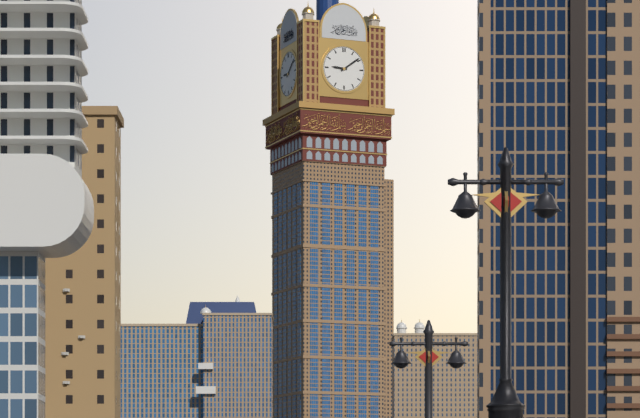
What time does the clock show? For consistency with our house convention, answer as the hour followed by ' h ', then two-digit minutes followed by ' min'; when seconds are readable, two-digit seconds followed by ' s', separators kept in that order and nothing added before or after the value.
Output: 9 h 09 min
